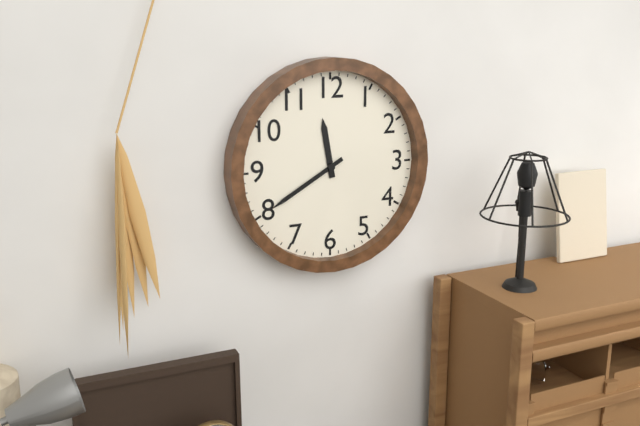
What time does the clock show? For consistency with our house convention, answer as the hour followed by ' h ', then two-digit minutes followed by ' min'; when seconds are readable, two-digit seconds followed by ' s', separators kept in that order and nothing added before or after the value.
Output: 11 h 40 min
